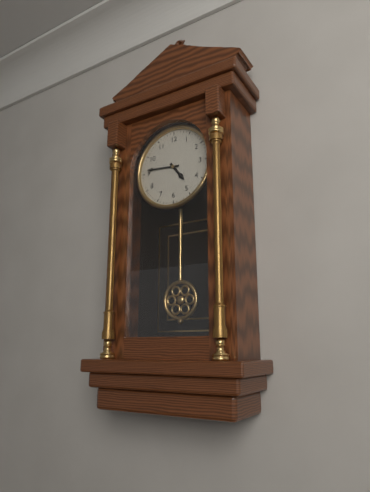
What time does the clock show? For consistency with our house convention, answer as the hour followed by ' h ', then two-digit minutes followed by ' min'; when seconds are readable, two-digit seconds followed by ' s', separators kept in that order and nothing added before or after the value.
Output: 4 h 46 min
